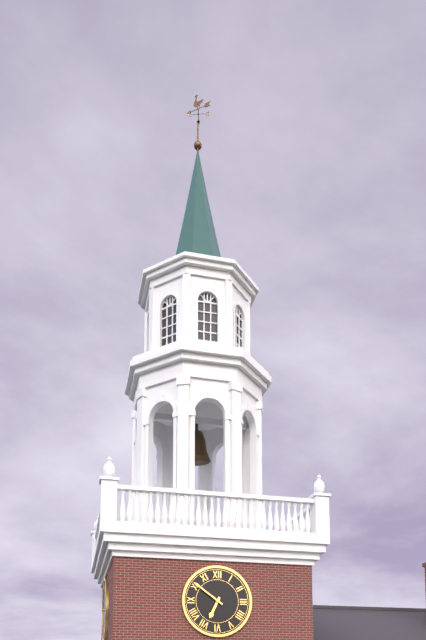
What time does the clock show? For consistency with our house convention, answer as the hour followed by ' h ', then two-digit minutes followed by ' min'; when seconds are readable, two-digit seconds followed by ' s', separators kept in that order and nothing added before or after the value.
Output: 6 h 51 min
